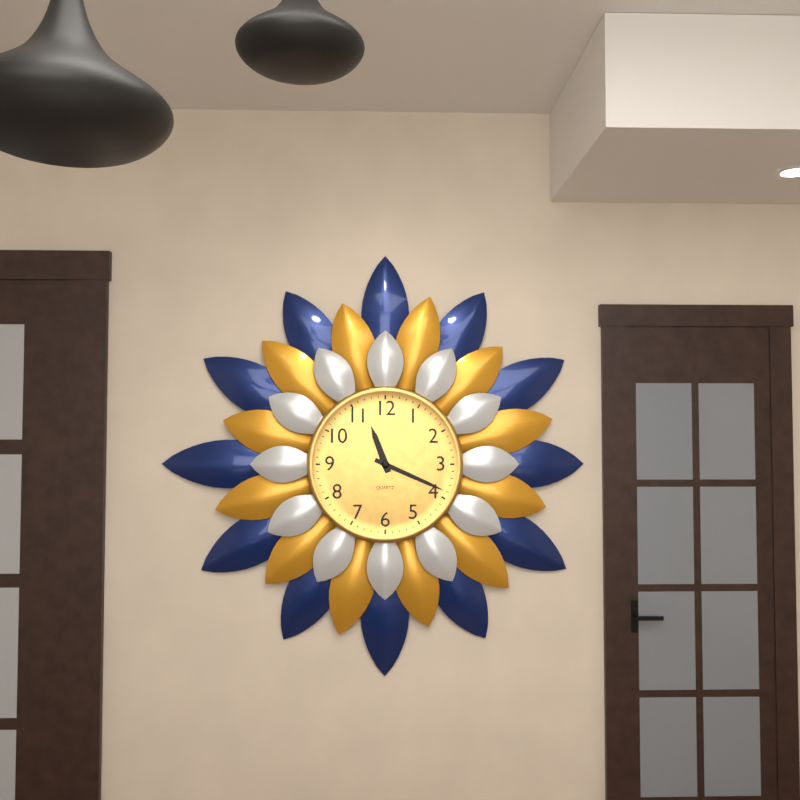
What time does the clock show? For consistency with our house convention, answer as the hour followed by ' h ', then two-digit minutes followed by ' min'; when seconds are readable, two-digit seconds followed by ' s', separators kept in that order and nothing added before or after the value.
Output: 11 h 19 min
